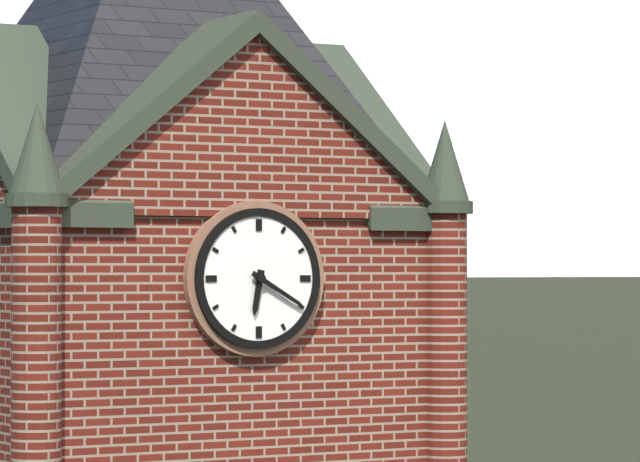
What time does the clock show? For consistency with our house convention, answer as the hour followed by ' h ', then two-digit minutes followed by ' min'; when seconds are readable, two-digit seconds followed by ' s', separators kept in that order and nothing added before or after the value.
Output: 6 h 20 min
